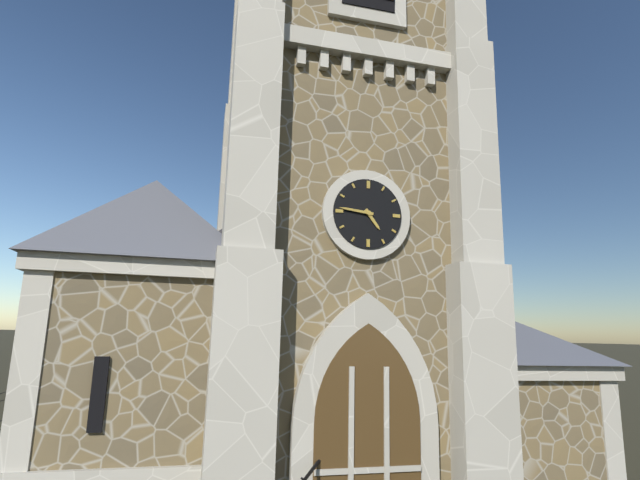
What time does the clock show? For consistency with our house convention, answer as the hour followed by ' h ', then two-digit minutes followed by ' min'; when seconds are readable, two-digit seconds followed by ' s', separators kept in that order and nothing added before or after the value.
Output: 4 h 46 min
